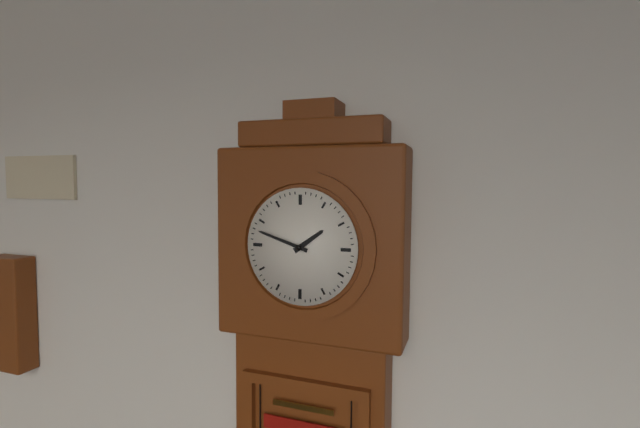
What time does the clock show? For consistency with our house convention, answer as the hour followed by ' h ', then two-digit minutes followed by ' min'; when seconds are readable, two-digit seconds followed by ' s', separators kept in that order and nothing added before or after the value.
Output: 1 h 48 min
